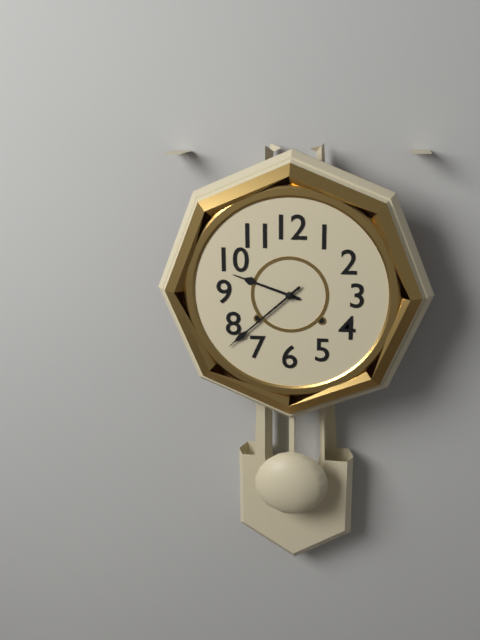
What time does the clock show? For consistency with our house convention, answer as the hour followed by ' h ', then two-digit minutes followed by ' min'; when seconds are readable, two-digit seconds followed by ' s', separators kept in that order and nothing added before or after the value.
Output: 9 h 38 min
